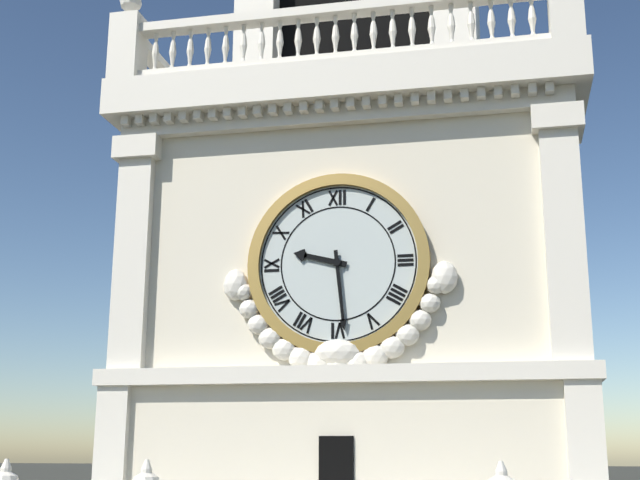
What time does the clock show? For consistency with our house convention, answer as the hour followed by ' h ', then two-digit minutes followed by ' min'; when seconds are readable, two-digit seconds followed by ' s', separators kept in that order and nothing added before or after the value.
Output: 9 h 29 min
